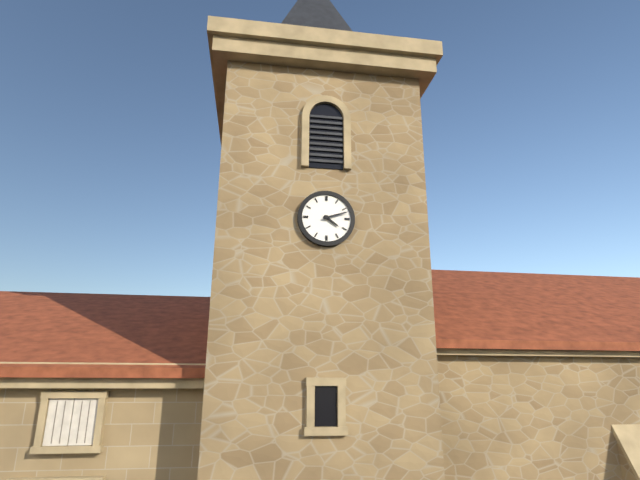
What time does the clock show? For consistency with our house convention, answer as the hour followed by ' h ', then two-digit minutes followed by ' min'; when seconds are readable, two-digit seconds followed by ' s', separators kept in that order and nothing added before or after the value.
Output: 4 h 12 min
